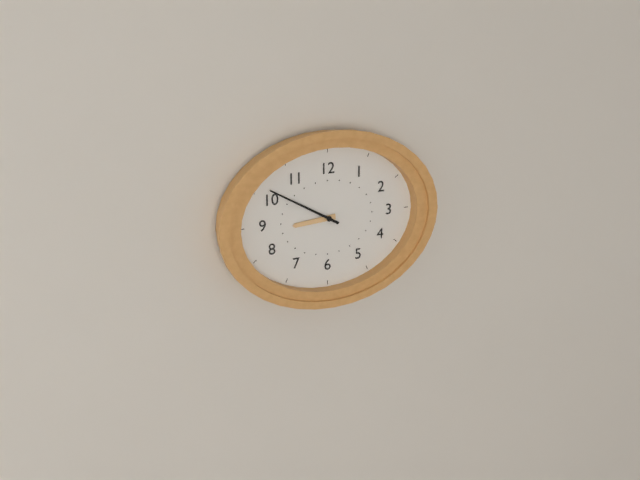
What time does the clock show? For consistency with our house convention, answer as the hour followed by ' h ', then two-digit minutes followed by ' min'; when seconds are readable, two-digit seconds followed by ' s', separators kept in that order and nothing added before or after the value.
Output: 8 h 50 min
